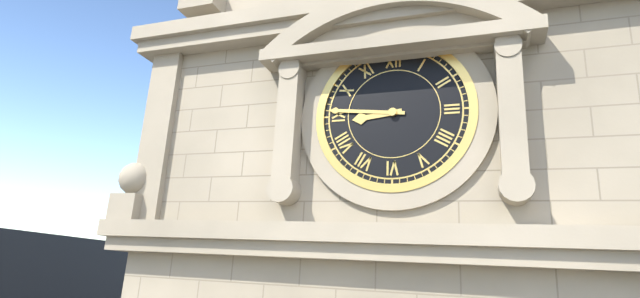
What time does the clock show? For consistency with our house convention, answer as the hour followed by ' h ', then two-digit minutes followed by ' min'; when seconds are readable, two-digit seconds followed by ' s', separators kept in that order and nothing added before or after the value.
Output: 8 h 46 min
